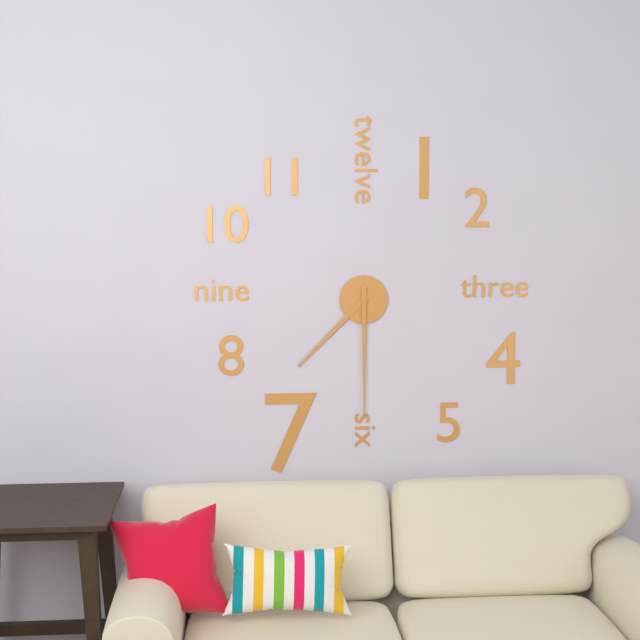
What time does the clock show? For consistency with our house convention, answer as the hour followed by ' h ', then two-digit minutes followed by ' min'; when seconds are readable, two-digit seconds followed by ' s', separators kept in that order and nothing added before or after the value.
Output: 7 h 30 min
